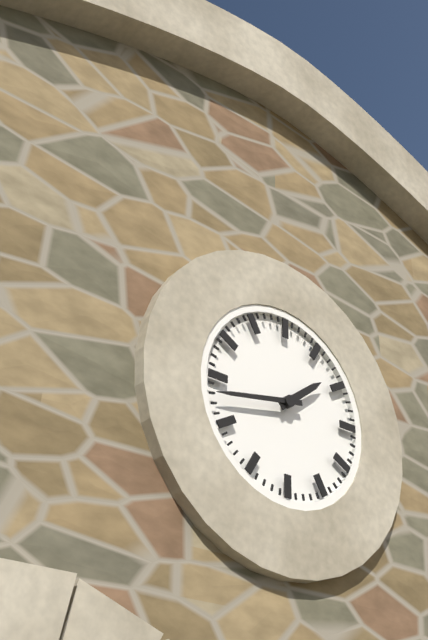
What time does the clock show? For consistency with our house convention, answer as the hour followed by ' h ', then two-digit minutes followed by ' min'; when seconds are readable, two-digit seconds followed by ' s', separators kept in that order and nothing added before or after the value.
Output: 1 h 43 min
